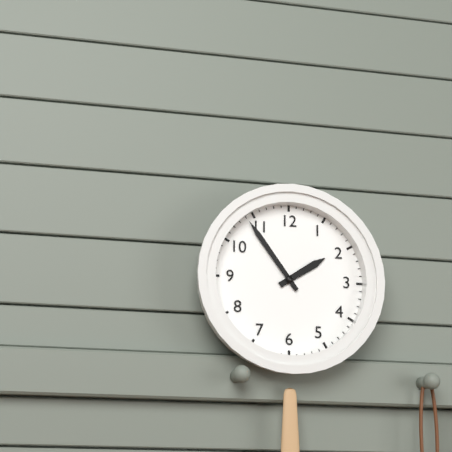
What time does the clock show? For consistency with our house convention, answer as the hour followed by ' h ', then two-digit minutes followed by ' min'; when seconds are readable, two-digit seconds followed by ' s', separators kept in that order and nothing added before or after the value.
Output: 1 h 54 min
